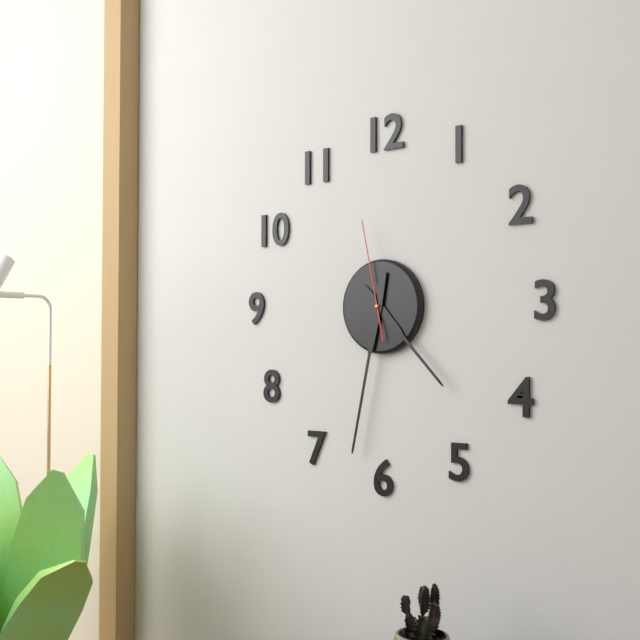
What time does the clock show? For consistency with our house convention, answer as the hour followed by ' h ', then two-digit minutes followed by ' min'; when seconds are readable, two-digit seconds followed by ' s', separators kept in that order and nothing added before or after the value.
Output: 4 h 32 min 58 s
